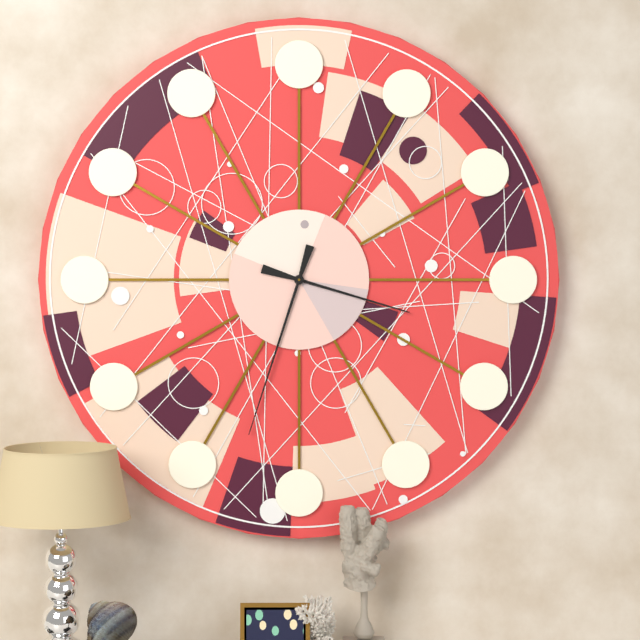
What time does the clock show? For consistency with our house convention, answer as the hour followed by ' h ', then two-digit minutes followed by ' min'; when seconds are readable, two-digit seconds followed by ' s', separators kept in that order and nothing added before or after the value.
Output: 3 h 33 min
